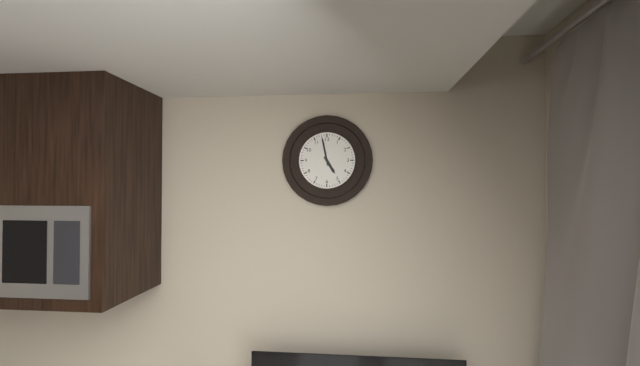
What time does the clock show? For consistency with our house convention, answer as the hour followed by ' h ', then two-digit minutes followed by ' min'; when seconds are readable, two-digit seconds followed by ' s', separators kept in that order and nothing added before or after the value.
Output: 4 h 58 min
